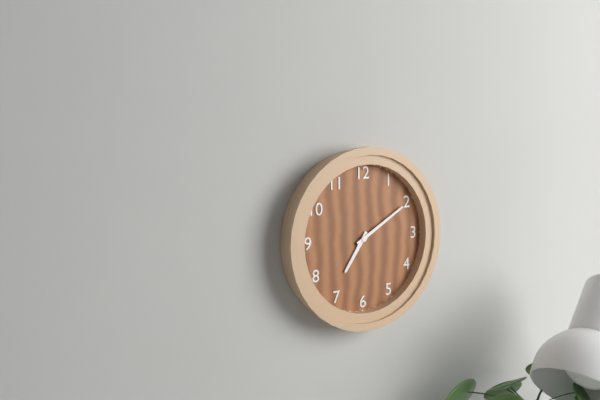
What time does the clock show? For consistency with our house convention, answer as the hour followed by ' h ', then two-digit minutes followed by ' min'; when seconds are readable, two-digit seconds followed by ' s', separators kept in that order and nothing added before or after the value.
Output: 7 h 10 min
